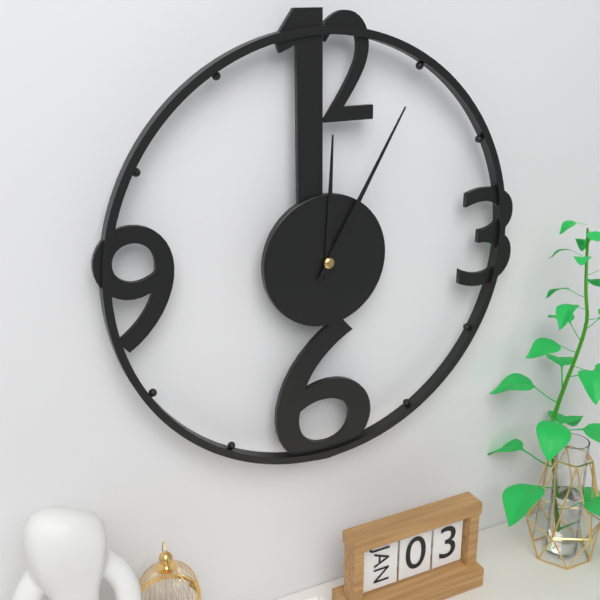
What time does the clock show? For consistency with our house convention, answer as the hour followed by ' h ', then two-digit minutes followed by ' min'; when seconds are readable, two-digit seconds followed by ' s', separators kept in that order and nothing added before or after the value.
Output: 12 h 05 min
